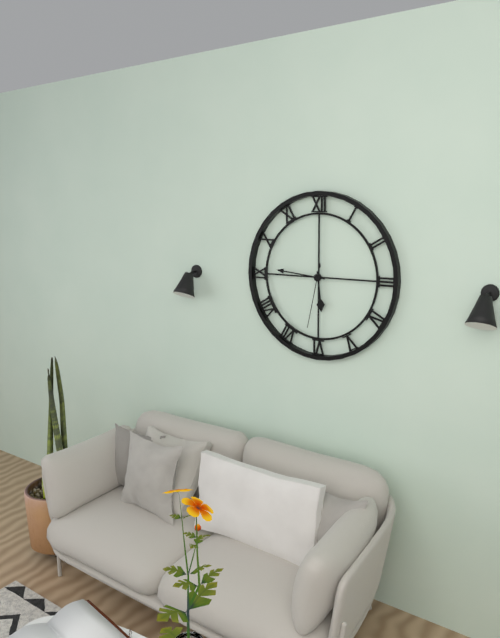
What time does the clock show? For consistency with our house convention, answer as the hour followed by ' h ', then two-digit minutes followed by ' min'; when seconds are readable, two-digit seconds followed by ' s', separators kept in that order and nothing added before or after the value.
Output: 5 h 46 min 32 s
